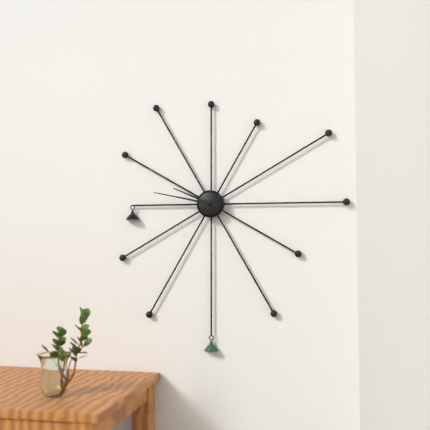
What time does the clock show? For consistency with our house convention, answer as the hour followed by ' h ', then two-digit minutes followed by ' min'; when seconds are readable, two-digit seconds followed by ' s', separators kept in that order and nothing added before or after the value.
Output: 9 h 47 min
